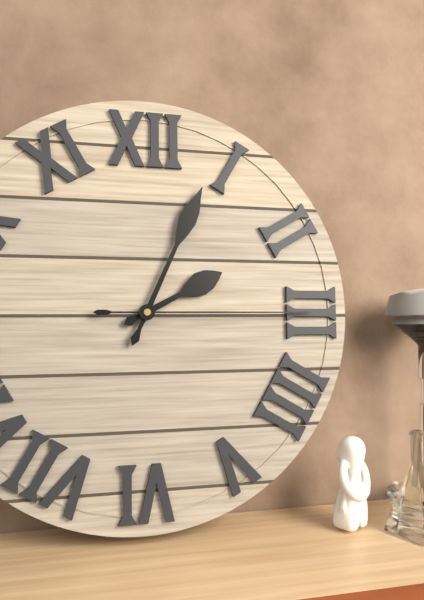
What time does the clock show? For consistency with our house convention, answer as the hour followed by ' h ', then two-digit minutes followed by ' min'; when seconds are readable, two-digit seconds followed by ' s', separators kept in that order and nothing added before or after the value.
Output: 2 h 04 min 15 s
